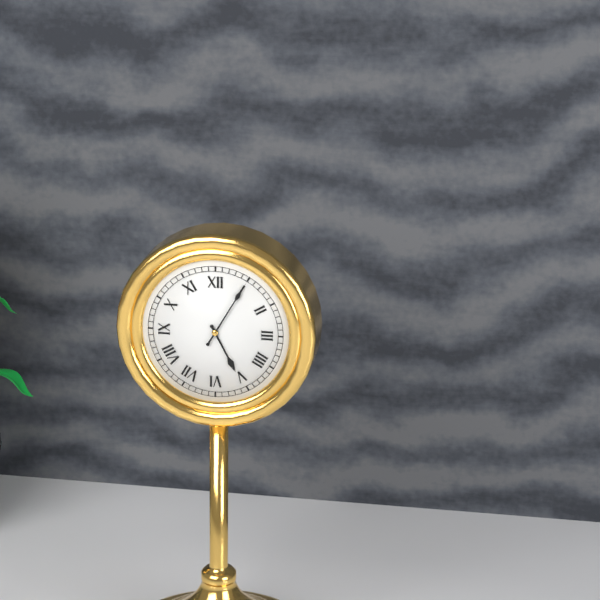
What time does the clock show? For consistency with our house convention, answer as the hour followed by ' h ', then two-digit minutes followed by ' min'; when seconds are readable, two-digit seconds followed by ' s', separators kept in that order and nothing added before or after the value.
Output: 5 h 05 min
